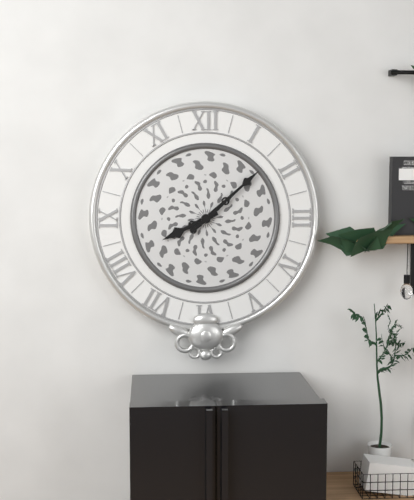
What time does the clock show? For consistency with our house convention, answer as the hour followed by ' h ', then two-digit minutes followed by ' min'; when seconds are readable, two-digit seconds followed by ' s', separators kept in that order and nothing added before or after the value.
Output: 8 h 08 min
